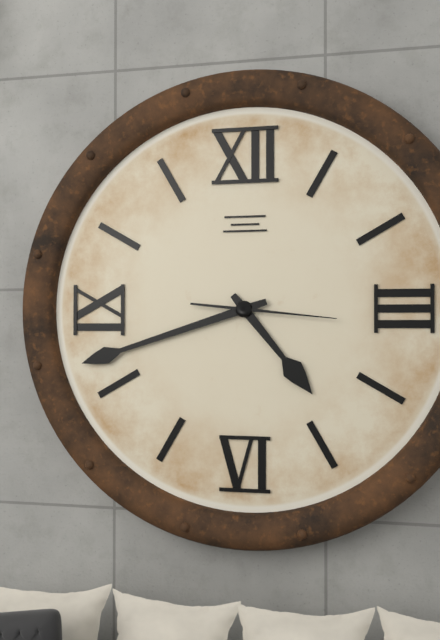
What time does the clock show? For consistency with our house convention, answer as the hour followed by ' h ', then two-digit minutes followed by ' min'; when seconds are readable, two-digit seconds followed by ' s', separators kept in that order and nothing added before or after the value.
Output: 4 h 42 min 16 s
